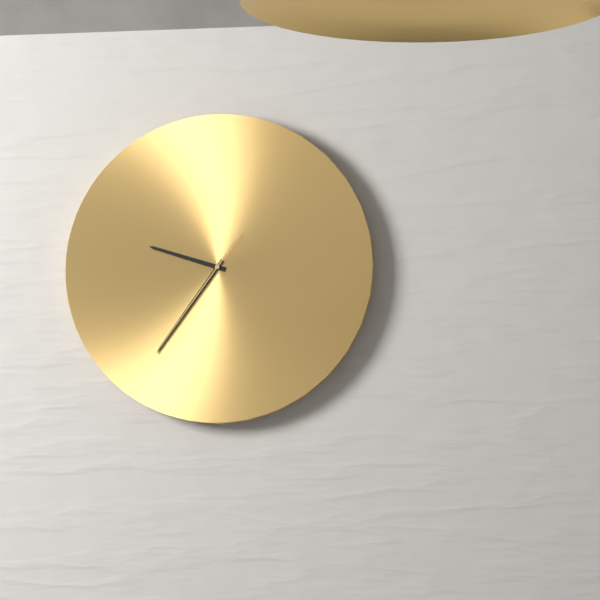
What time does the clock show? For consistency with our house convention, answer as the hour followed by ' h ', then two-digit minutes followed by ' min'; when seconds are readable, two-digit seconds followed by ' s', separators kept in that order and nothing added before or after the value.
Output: 9 h 36 min 36 s
